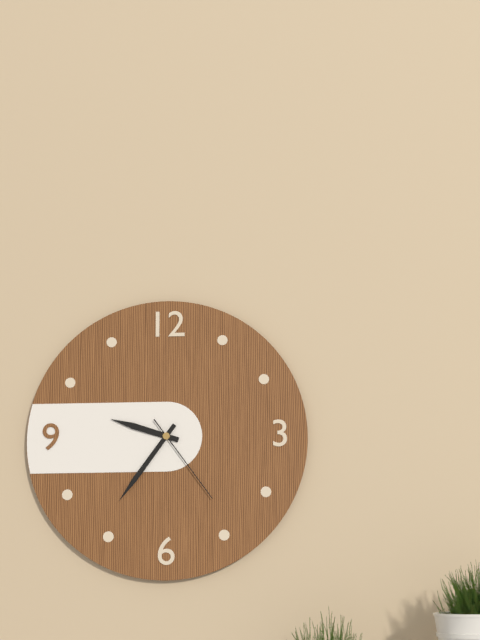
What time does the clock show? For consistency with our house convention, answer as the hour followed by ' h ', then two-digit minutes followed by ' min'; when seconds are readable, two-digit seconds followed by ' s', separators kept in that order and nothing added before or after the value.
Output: 9 h 36 min 24 s
